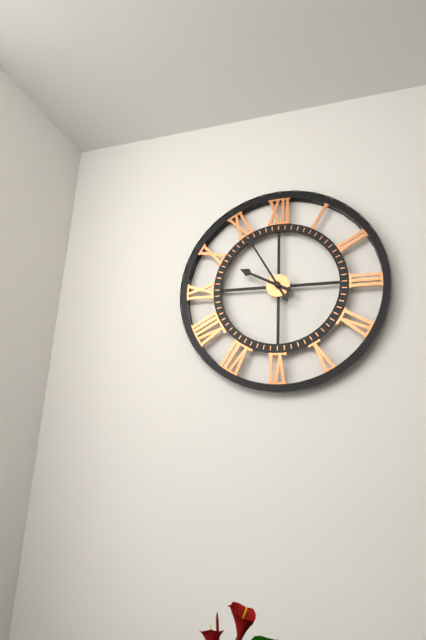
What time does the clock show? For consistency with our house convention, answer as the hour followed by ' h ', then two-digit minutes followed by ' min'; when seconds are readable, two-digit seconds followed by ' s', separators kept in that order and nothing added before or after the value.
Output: 9 h 55 min
